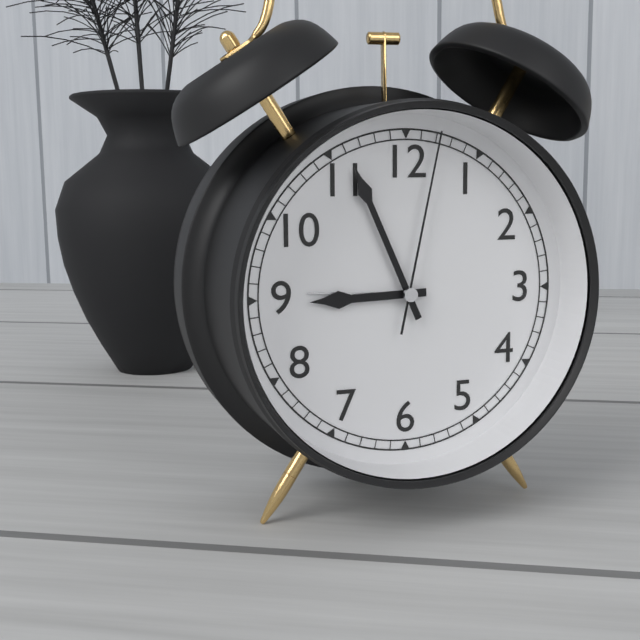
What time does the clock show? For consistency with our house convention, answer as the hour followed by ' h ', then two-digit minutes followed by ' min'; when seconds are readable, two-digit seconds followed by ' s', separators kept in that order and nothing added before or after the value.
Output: 8 h 56 min 02 s
